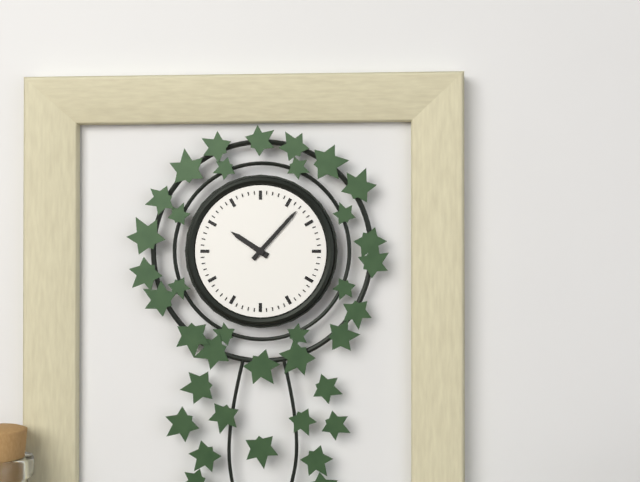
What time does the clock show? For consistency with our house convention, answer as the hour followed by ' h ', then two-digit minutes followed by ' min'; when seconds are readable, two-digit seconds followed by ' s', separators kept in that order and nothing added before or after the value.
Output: 10 h 07 min
